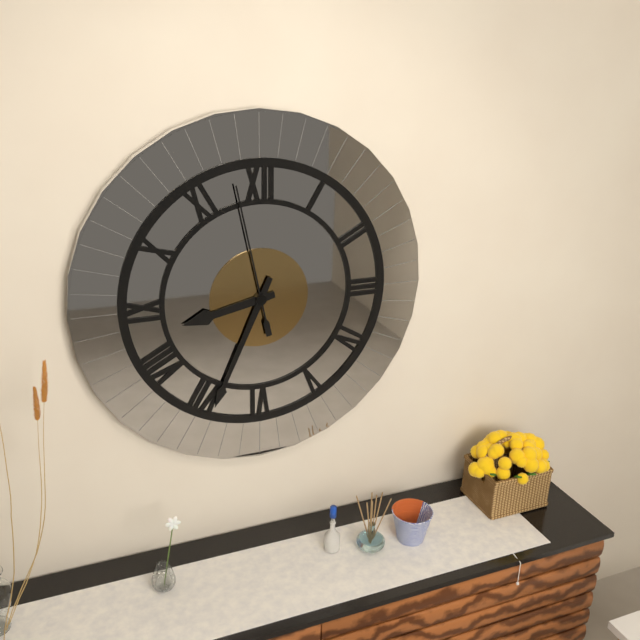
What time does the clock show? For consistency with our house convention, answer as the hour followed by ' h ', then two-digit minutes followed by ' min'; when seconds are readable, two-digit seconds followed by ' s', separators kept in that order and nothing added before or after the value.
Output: 8 h 34 min 58 s
